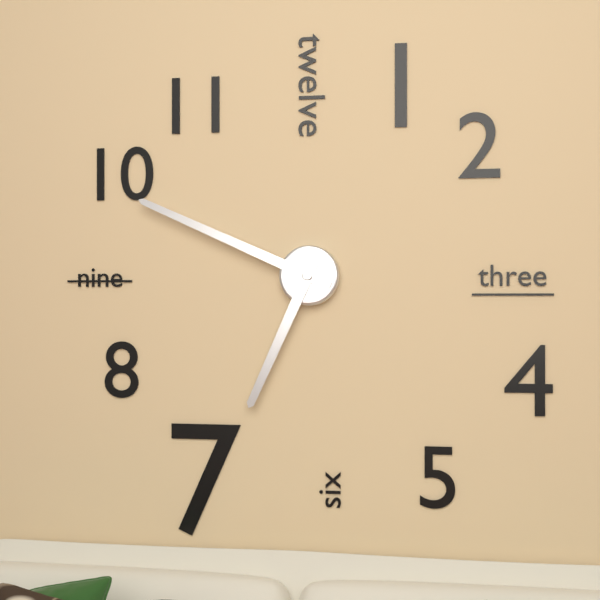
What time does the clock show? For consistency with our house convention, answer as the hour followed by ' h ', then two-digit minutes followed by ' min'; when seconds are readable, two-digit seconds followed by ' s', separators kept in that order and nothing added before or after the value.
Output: 6 h 49 min
